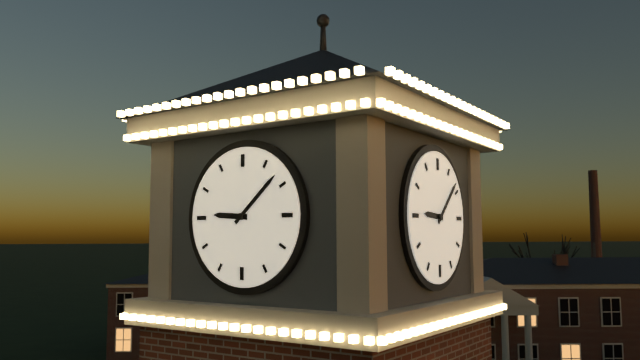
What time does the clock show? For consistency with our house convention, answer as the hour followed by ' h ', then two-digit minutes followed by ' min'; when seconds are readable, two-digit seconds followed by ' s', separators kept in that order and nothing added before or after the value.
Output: 9 h 08 min
